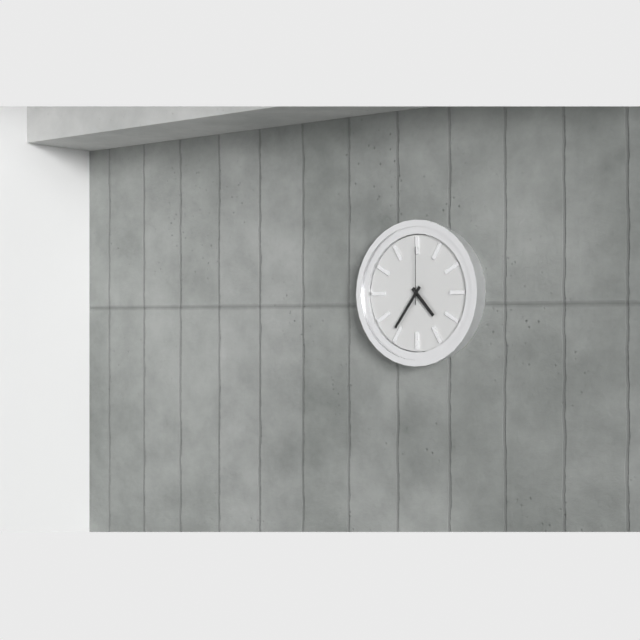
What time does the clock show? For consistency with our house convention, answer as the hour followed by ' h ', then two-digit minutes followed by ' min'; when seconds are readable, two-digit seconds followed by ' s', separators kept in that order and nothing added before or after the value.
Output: 4 h 36 min 00 s
